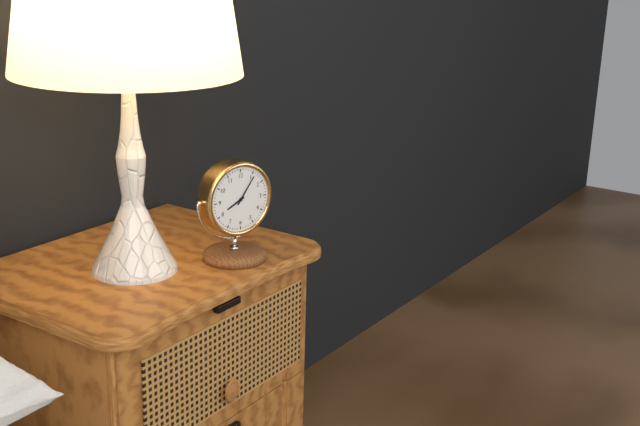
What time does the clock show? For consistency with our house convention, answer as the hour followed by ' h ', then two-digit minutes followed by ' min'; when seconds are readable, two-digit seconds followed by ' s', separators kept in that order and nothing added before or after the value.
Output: 8 h 06 min
